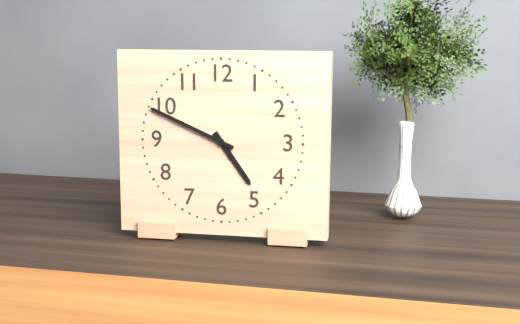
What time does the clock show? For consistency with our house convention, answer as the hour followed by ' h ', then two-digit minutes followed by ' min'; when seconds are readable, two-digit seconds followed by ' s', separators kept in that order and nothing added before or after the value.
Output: 4 h 49 min
